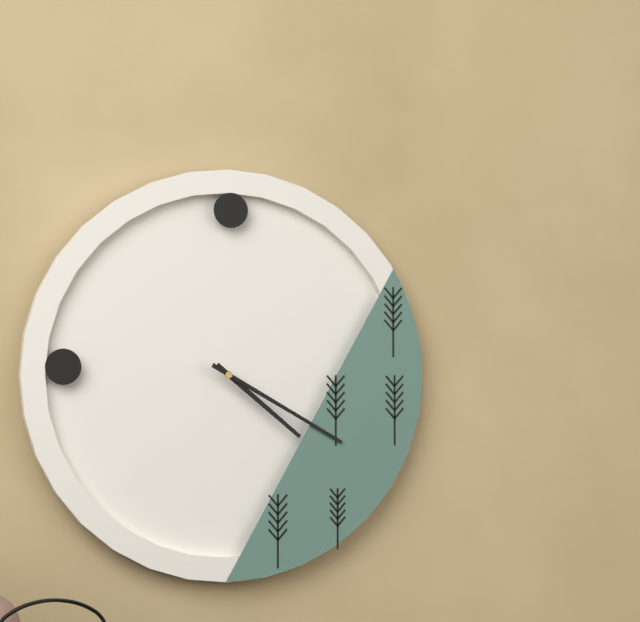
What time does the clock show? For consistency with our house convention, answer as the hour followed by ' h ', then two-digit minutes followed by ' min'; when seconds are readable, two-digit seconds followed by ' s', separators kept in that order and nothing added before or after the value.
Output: 4 h 20 min
